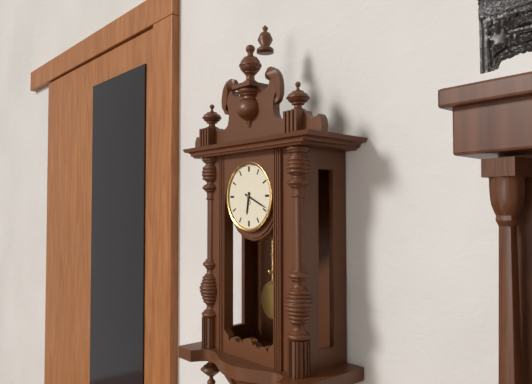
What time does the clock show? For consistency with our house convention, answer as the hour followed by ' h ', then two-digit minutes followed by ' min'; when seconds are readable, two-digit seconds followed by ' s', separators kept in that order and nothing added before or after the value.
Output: 6 h 19 min
